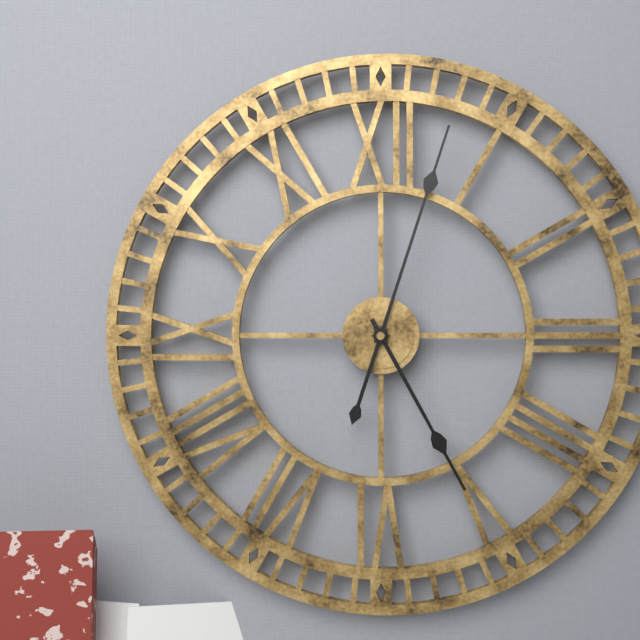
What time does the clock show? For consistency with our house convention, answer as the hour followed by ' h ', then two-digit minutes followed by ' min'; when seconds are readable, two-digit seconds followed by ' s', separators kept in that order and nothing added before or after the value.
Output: 5 h 03 min
